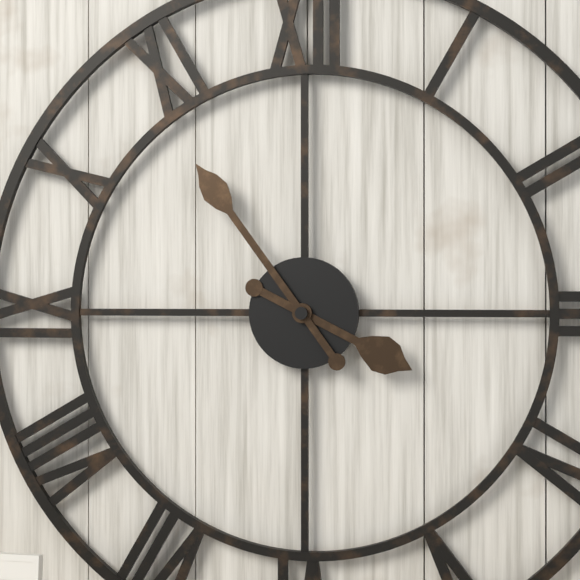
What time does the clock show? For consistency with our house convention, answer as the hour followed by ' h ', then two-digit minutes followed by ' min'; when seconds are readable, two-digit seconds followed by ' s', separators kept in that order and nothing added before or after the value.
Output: 3 h 54 min
